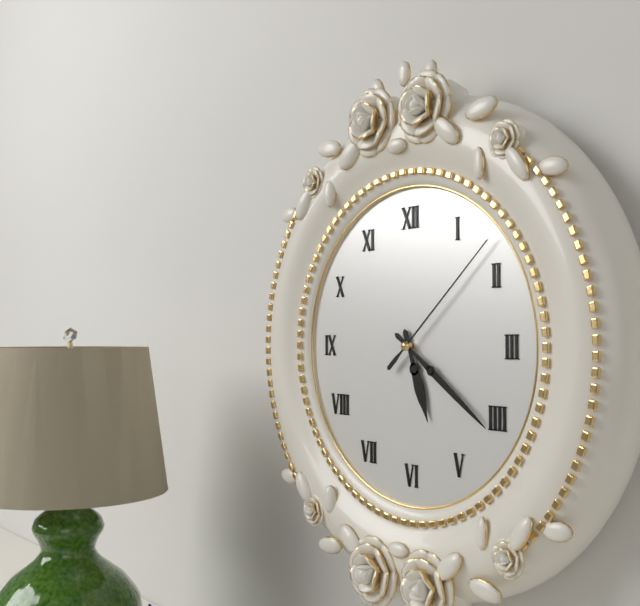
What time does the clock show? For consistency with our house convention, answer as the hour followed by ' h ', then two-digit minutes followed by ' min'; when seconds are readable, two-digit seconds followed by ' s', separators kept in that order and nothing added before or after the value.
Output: 5 h 21 min 08 s
